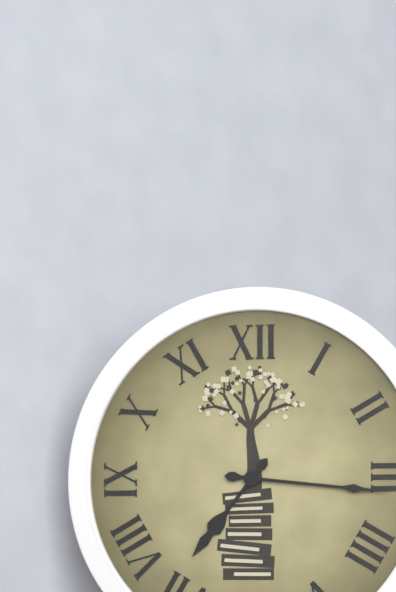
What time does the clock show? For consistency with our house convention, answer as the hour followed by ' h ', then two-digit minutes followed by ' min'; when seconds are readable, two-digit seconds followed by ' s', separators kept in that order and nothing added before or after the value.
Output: 7 h 16 min
